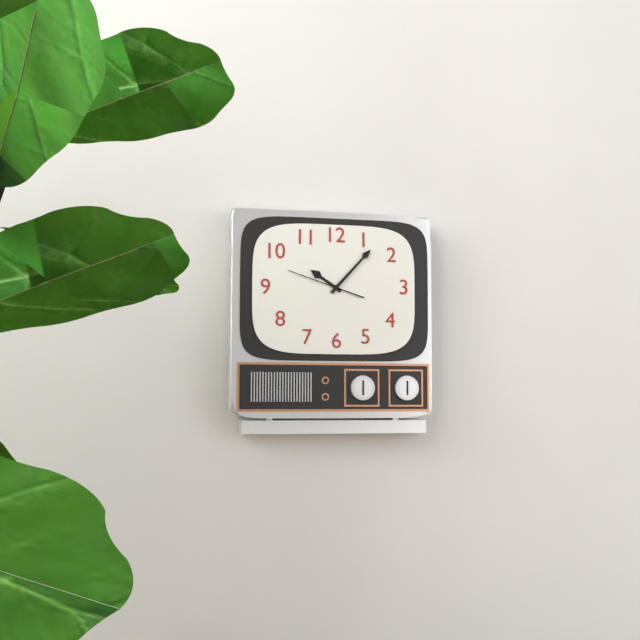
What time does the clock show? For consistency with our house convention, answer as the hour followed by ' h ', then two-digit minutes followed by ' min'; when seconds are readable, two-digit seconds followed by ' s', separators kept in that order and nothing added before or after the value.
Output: 10 h 07 min 48 s
